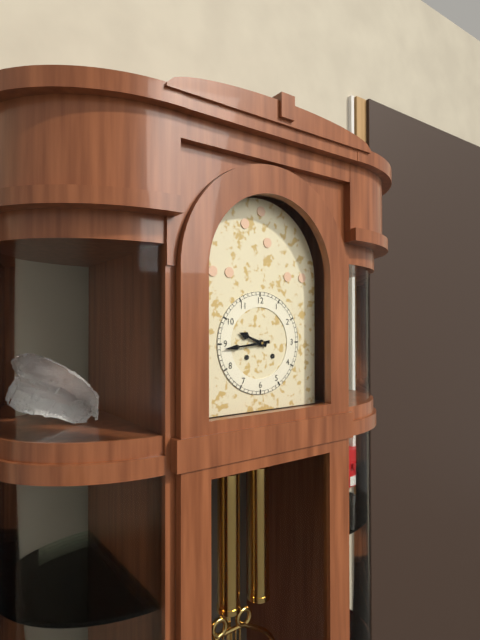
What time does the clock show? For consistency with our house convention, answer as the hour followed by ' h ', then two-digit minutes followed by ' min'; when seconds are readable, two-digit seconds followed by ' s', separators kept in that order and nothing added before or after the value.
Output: 9 h 44 min
